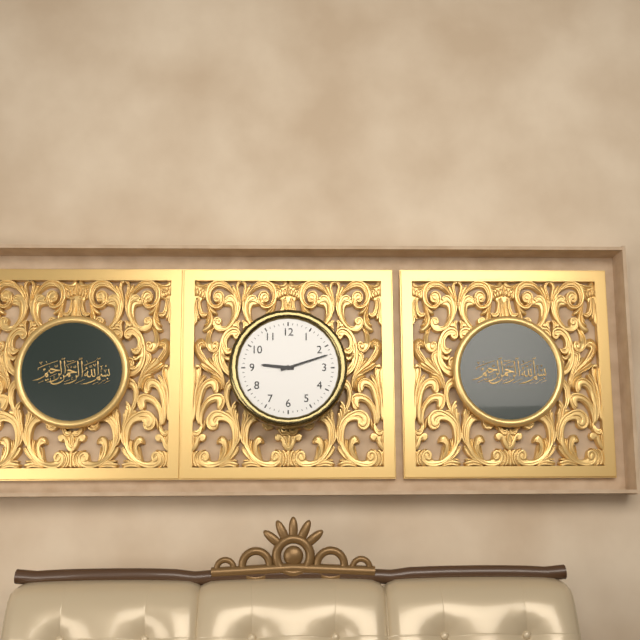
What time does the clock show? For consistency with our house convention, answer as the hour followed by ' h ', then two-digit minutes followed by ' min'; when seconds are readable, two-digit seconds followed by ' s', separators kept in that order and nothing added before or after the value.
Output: 9 h 12 min
